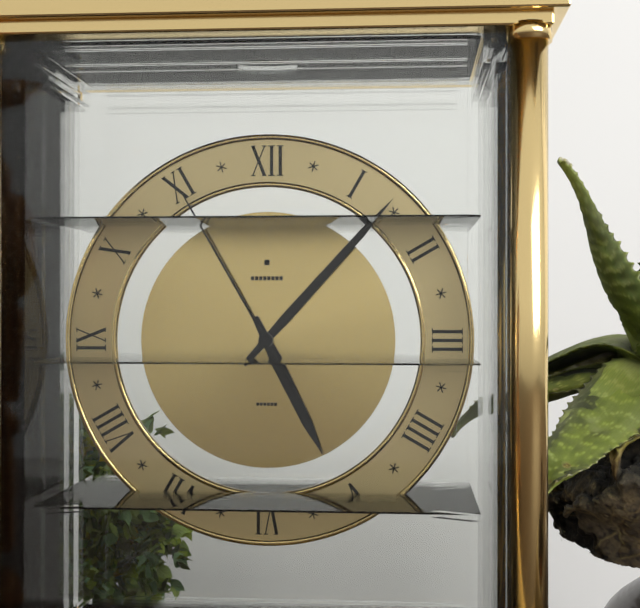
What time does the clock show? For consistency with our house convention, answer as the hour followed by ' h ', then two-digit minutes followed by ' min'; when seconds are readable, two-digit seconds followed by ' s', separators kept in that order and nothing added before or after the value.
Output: 5 h 07 min 55 s
